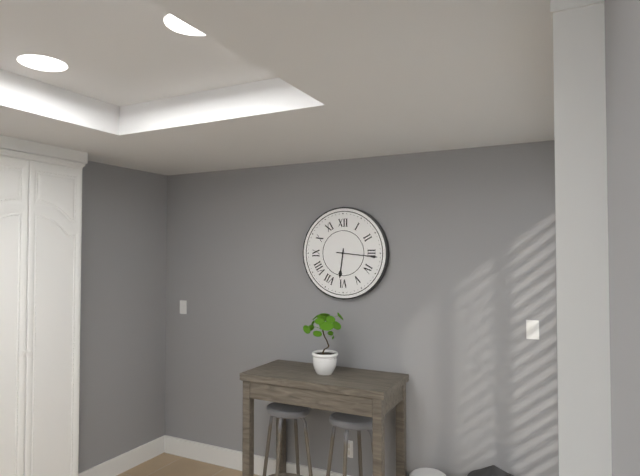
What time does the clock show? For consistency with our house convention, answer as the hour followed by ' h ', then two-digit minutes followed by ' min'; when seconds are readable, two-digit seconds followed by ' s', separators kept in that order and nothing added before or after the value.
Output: 6 h 16 min
